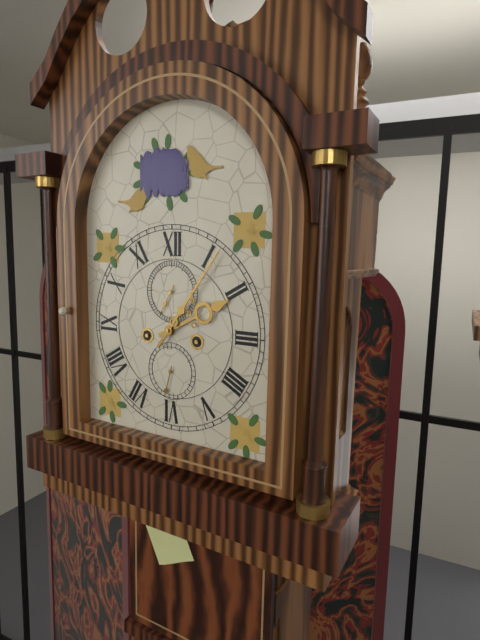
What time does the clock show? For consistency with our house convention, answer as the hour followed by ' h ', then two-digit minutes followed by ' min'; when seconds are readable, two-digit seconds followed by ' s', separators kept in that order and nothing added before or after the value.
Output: 2 h 06 min
